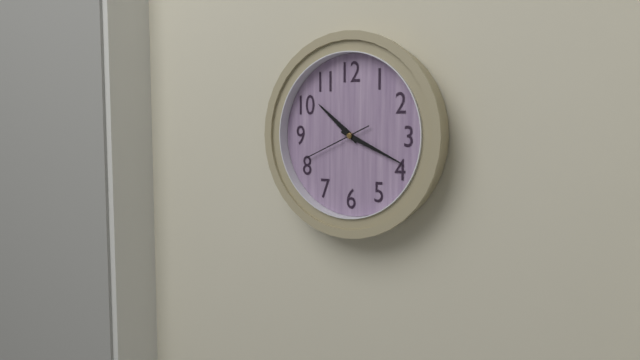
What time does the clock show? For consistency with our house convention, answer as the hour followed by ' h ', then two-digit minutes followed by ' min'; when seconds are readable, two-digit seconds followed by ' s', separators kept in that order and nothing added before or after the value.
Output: 10 h 19 min 41 s
